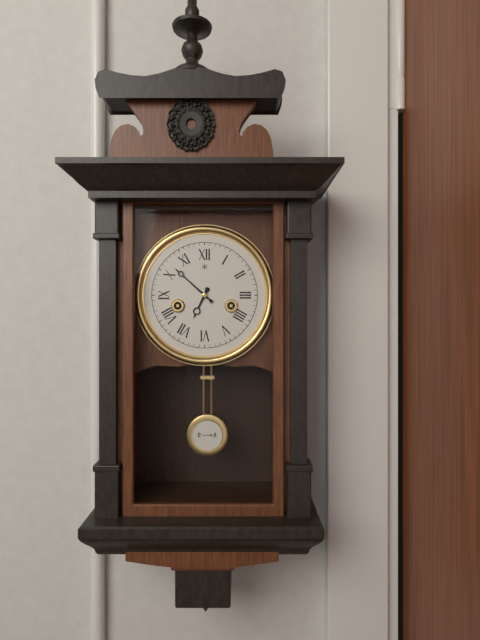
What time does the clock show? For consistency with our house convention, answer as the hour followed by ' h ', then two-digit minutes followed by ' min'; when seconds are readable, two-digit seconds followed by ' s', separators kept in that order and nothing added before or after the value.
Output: 6 h 52 min
